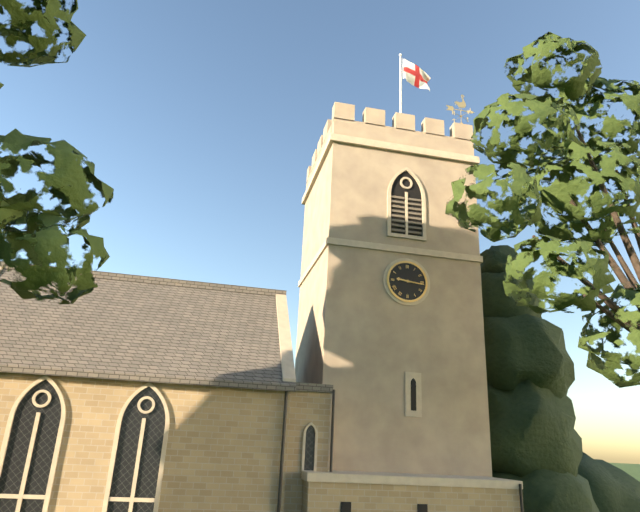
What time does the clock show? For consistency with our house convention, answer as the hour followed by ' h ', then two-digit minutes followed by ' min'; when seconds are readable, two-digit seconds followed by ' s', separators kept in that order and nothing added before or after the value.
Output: 9 h 16 min
